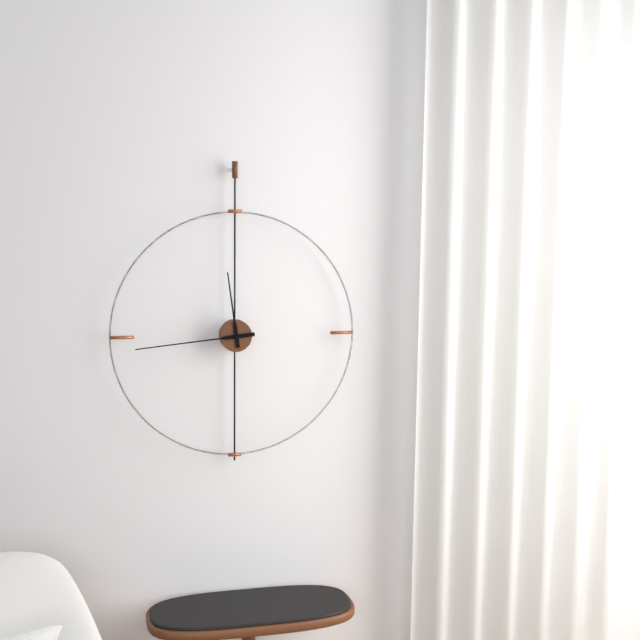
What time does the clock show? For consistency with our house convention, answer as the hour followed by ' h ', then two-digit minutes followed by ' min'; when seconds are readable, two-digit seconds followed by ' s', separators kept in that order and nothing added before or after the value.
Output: 11 h 44 min
